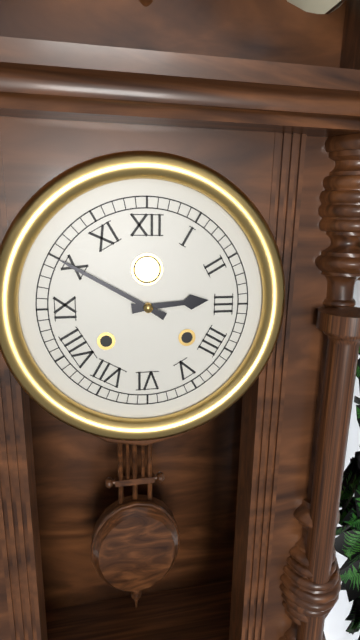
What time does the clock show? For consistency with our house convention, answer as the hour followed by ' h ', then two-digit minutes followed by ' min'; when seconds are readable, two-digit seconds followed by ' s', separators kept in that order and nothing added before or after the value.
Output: 2 h 50 min
